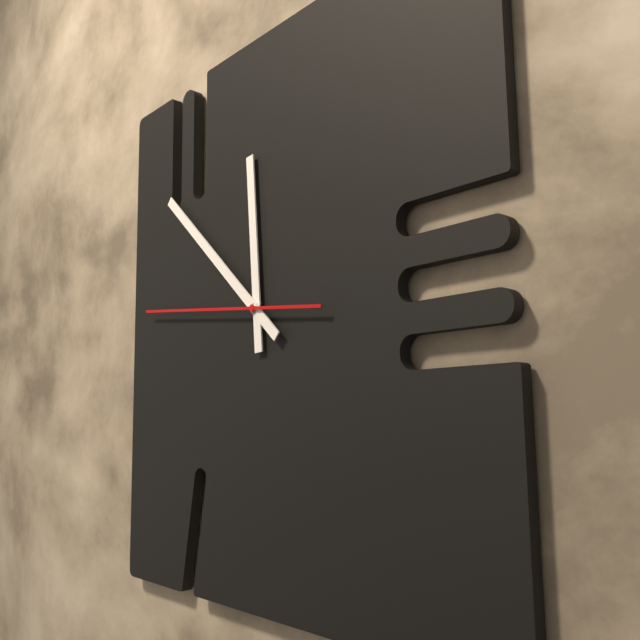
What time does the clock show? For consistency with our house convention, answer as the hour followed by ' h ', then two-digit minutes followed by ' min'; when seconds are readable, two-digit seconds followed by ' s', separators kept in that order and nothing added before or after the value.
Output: 11 h 52 min 46 s
